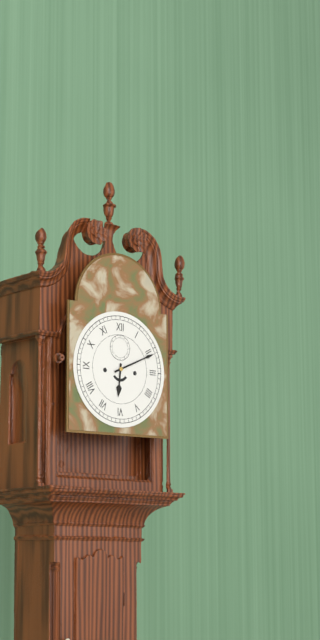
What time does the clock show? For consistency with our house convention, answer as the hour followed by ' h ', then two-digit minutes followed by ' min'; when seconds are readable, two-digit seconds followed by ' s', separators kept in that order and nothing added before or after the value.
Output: 6 h 11 min
